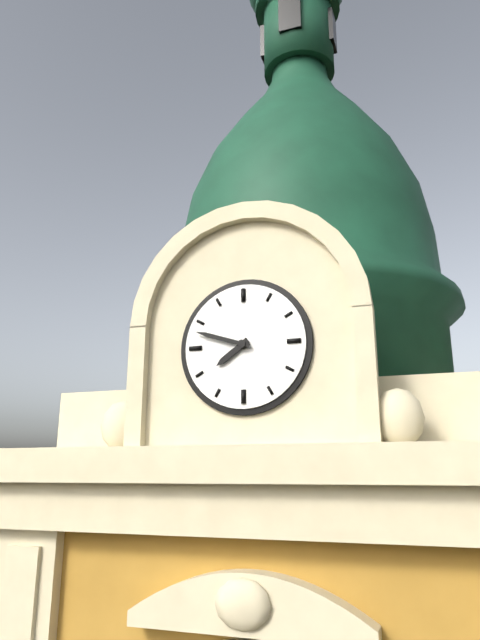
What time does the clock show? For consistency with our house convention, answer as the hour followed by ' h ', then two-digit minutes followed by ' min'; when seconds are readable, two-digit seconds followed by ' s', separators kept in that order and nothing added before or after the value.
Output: 7 h 48 min
